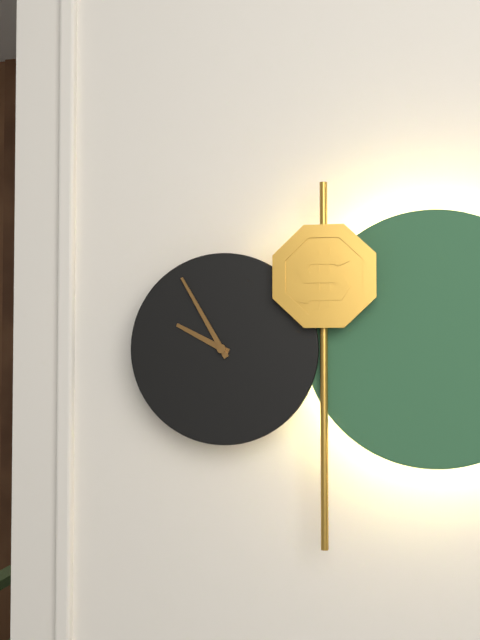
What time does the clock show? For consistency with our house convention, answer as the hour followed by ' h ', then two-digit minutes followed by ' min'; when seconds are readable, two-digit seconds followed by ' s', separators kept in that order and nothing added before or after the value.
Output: 9 h 55 min
